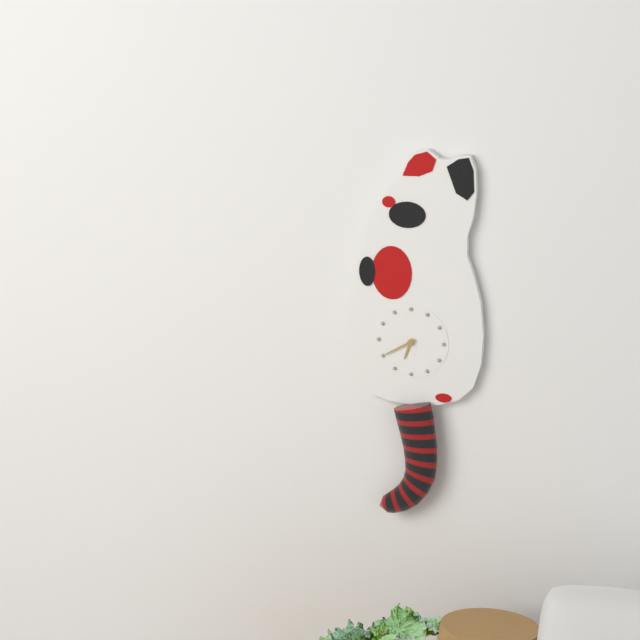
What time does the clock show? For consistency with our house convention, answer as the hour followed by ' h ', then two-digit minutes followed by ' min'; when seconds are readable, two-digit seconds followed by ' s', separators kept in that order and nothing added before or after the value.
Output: 6 h 40 min
